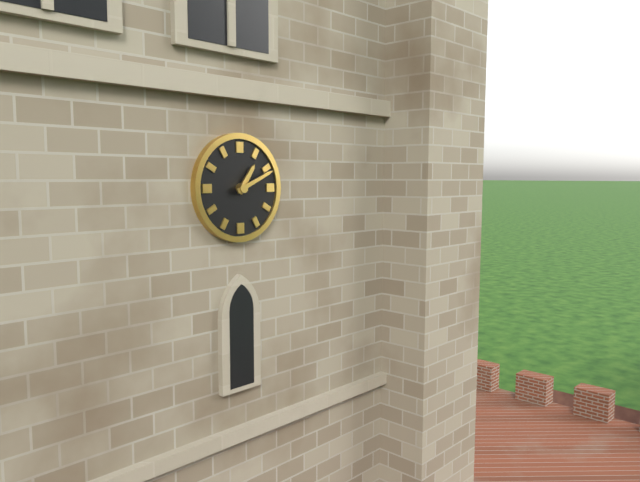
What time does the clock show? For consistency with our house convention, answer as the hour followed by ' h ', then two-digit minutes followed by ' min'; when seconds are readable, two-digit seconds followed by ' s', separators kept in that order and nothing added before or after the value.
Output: 1 h 11 min
